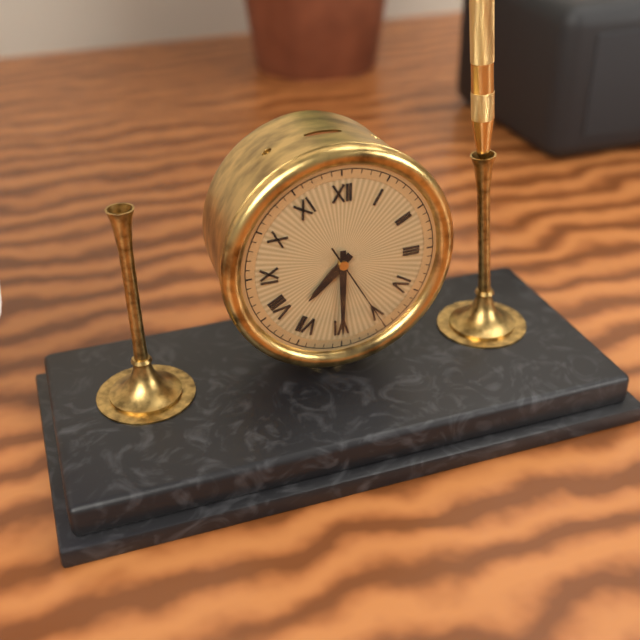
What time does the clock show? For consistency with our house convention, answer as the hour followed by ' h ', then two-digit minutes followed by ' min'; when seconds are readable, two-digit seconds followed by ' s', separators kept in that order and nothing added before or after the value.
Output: 7 h 30 min 25 s
